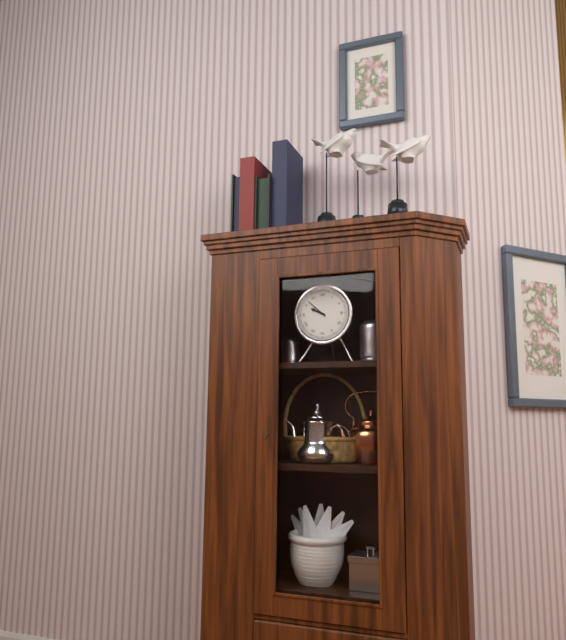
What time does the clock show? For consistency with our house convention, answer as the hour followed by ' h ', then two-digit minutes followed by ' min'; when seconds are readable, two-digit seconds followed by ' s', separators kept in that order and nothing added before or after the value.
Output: 9 h 52 min
